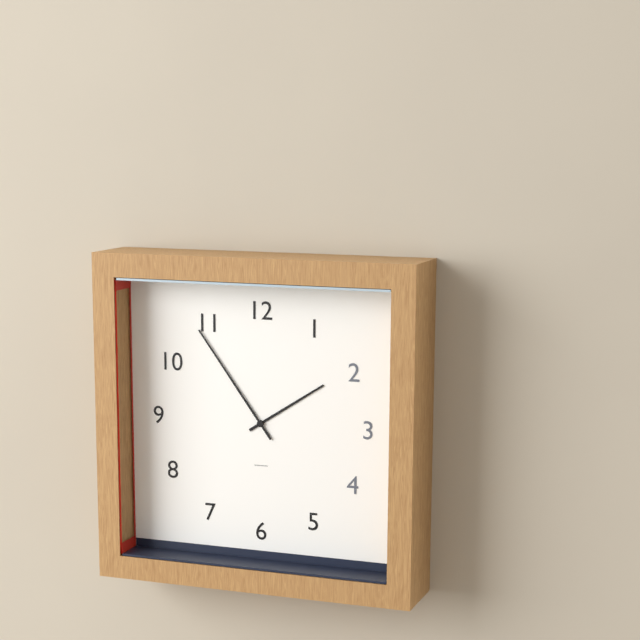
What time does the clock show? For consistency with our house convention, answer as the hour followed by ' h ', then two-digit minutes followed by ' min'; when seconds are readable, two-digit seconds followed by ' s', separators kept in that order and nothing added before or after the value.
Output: 1 h 54 min
